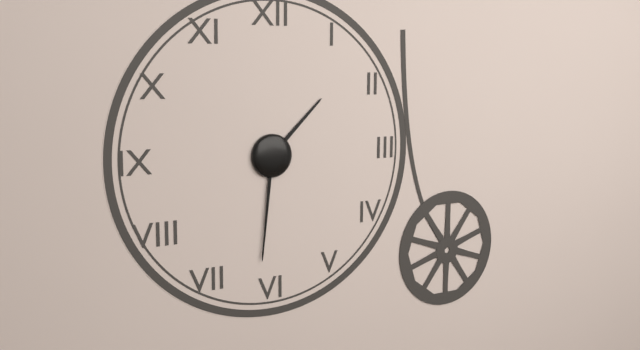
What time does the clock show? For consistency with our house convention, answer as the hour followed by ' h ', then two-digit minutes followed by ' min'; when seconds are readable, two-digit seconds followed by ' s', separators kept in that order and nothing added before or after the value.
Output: 1 h 31 min
